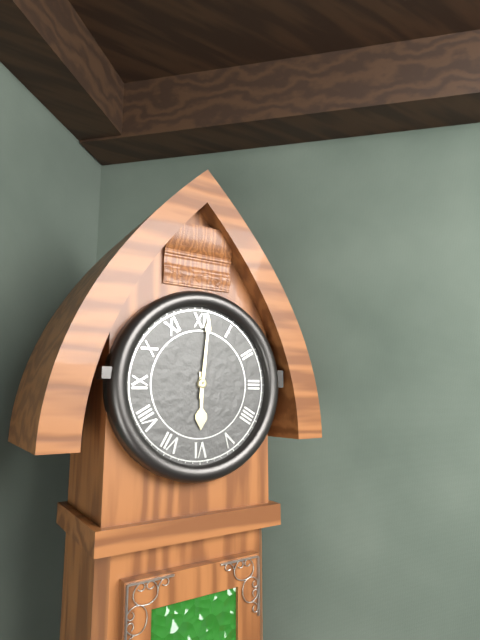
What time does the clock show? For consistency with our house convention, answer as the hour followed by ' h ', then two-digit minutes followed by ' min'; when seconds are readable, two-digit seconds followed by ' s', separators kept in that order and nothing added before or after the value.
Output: 6 h 01 min
